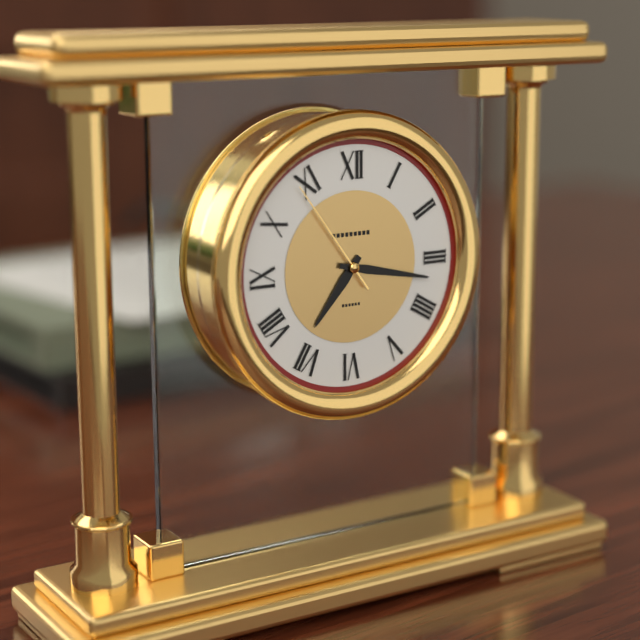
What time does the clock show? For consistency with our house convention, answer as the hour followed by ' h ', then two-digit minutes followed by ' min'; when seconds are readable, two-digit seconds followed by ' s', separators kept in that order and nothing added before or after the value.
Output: 7 h 17 min 54 s
